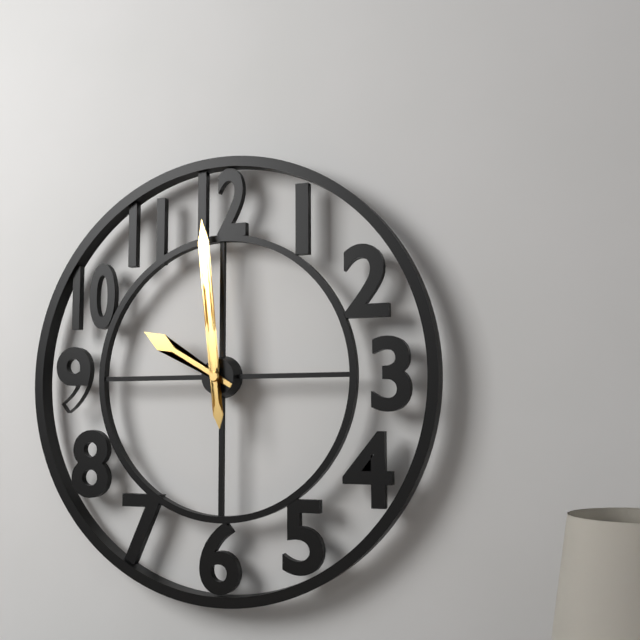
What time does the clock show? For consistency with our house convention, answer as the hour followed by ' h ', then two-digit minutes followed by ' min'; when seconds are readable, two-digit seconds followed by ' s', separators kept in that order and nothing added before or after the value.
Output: 9 h 59 min
